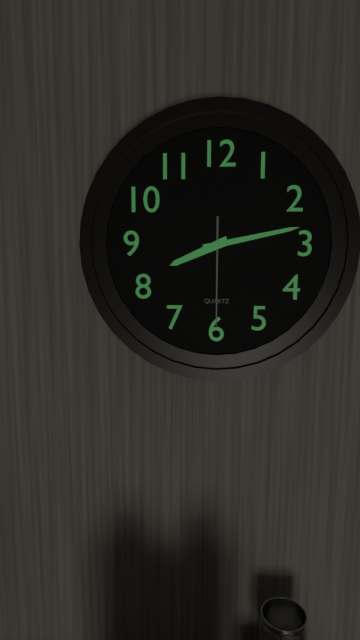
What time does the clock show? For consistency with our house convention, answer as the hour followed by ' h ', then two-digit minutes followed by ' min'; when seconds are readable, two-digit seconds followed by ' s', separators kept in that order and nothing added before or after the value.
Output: 8 h 13 min 30 s
